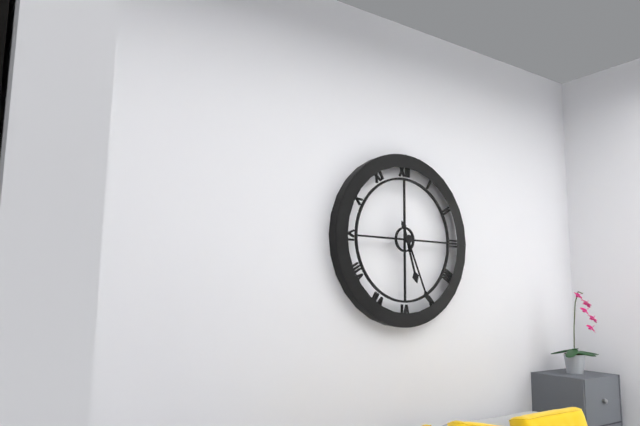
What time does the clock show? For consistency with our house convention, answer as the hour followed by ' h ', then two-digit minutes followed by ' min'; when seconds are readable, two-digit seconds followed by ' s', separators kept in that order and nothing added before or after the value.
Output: 5 h 26 min
